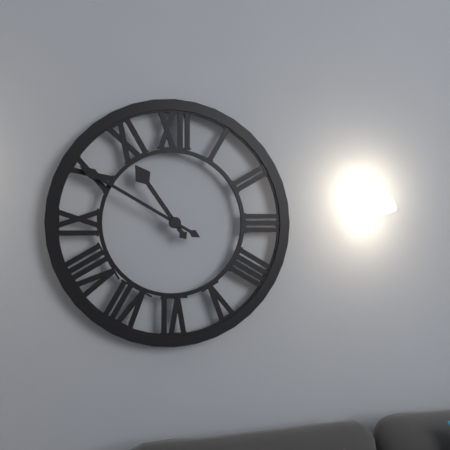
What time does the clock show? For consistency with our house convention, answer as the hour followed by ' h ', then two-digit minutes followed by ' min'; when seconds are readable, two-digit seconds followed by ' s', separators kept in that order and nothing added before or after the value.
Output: 10 h 50 min
